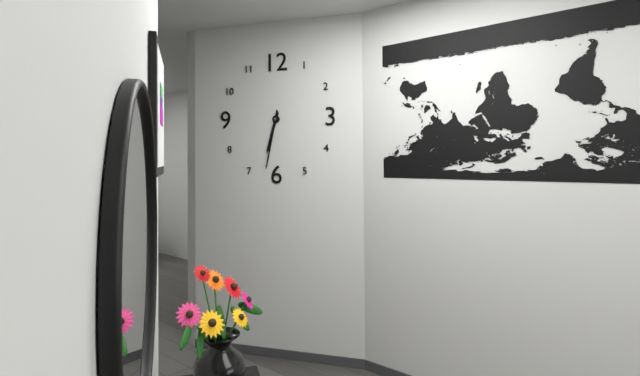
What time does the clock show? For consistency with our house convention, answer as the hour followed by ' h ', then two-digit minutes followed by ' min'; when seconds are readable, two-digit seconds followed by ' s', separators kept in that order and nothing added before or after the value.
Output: 6 h 32 min
